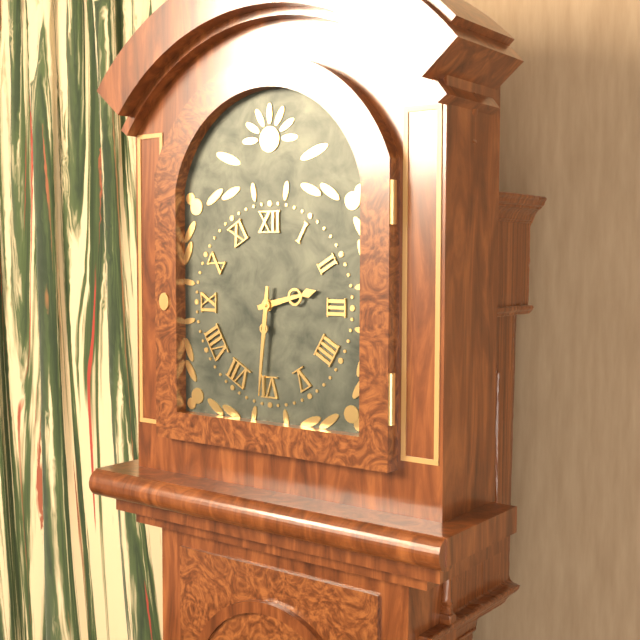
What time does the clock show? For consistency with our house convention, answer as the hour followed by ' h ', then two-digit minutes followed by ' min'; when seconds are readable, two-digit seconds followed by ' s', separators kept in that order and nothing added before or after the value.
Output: 2 h 31 min
